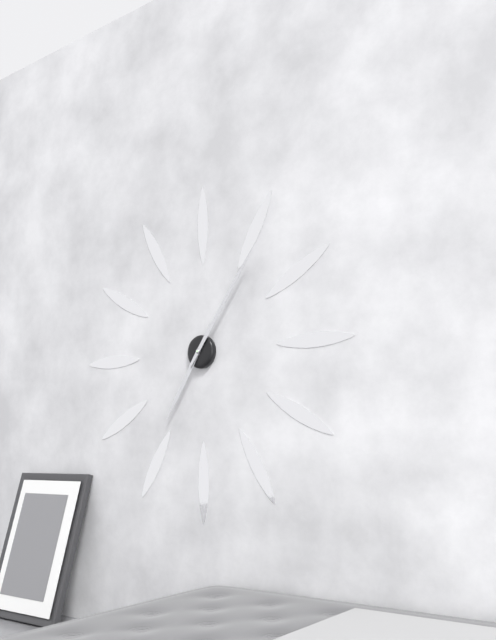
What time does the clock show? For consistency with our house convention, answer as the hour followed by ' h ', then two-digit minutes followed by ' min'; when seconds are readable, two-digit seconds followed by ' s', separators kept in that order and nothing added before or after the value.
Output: 7 h 06 min
